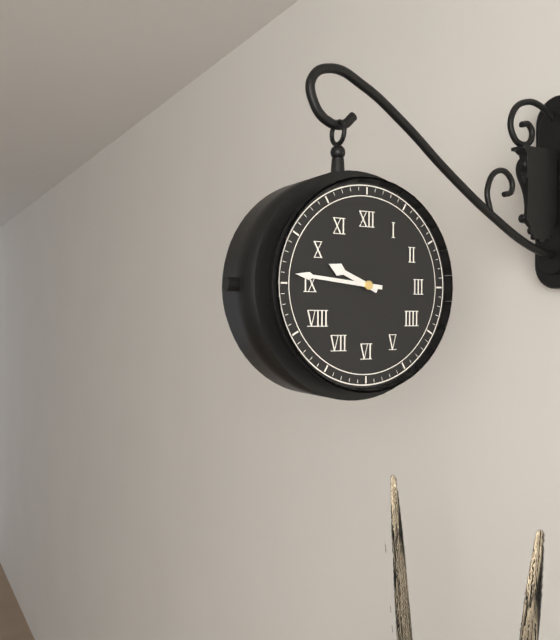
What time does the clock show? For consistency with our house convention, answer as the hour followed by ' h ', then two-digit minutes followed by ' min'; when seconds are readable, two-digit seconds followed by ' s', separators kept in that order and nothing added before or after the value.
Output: 9 h 46 min
